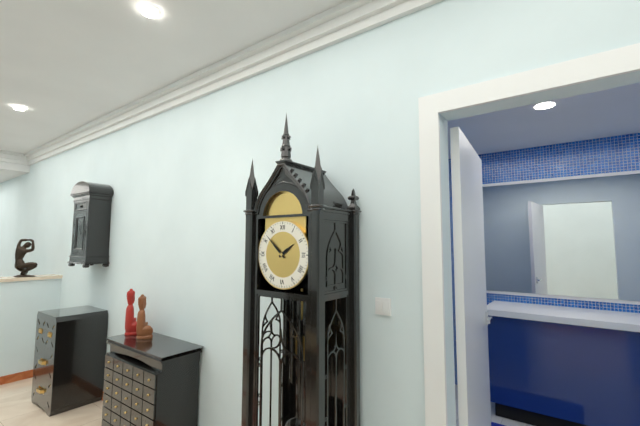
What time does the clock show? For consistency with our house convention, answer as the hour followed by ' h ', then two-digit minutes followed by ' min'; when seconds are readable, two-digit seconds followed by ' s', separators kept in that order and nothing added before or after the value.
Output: 1 h 52 min
